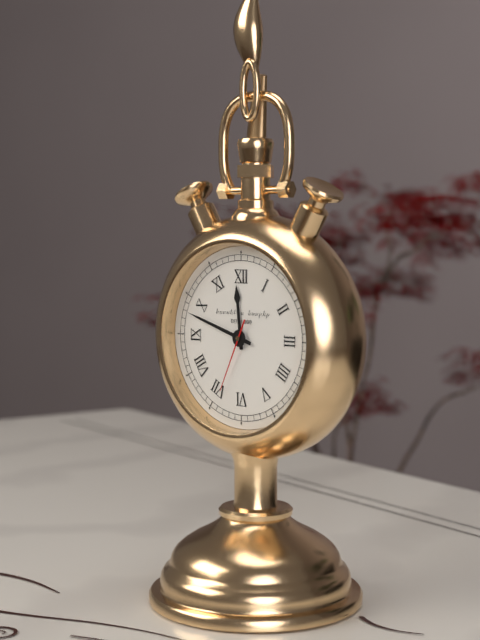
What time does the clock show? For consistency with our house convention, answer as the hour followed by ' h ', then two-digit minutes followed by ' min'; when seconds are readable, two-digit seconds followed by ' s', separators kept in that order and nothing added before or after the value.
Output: 11 h 48 min 34 s
